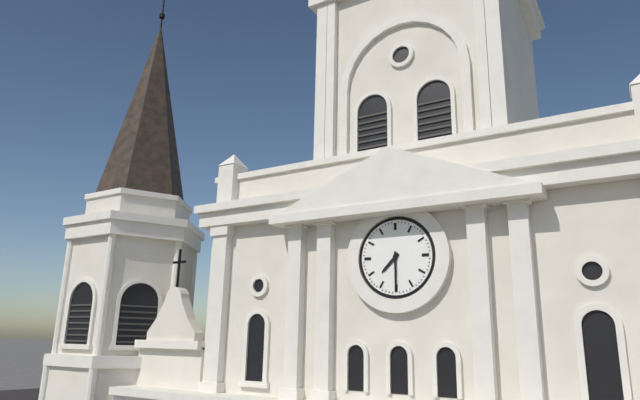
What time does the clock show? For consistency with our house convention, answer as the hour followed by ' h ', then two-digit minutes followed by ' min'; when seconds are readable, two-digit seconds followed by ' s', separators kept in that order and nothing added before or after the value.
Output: 7 h 30 min
